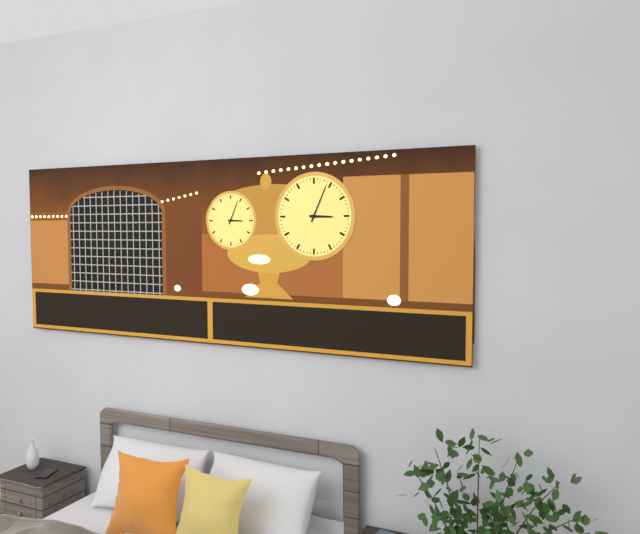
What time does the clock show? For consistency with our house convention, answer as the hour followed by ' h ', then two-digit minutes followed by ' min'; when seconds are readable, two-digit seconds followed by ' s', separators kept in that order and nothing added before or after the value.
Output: 3 h 04 min
